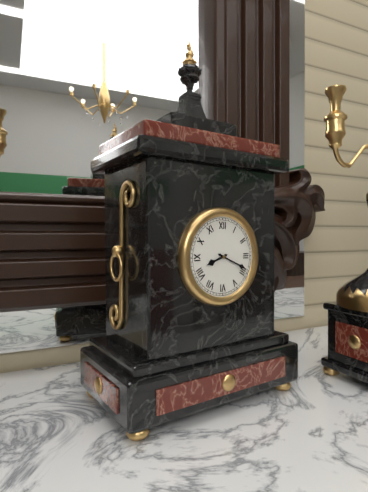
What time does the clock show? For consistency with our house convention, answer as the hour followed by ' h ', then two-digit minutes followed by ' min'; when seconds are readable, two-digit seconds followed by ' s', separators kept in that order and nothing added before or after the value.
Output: 8 h 19 min
